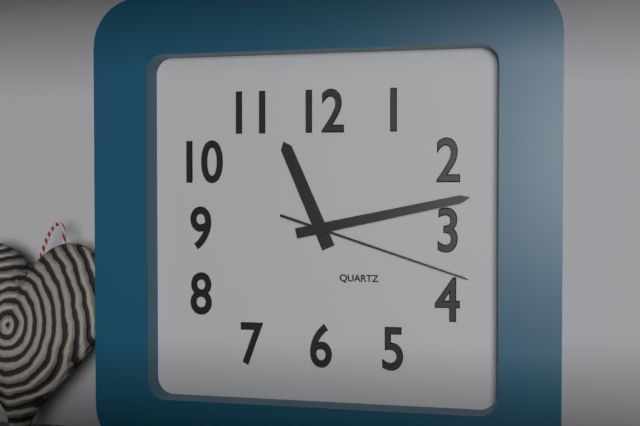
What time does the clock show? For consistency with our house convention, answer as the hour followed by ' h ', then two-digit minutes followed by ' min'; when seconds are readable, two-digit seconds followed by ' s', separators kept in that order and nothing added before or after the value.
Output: 11 h 13 min 18 s
